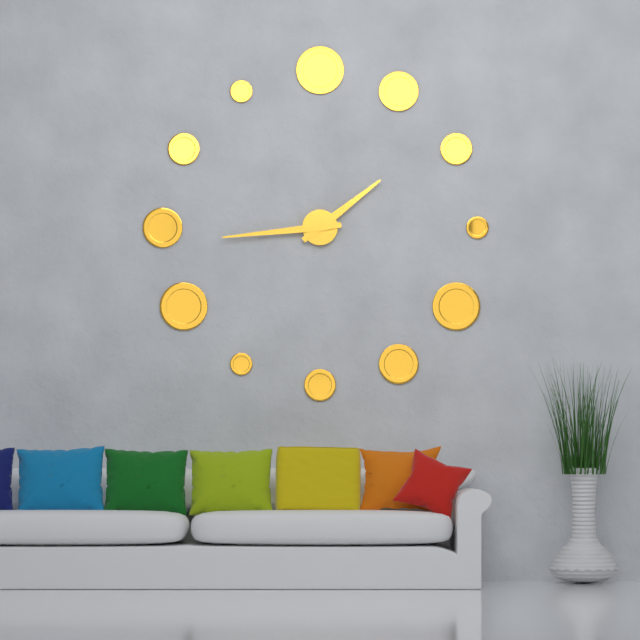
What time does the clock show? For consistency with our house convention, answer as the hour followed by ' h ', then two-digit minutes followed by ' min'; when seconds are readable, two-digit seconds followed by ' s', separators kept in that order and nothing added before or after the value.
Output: 1 h 44 min
